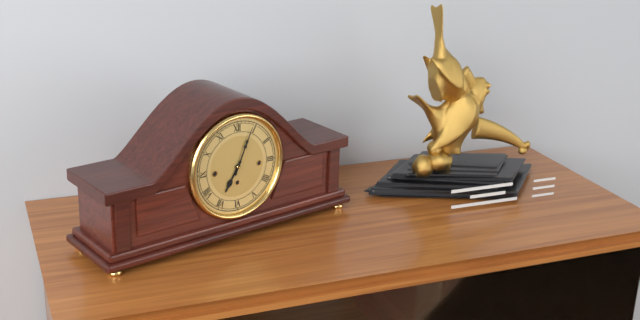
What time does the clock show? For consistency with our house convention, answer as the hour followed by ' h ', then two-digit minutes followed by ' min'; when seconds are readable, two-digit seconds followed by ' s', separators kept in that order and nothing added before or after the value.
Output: 7 h 04 min
